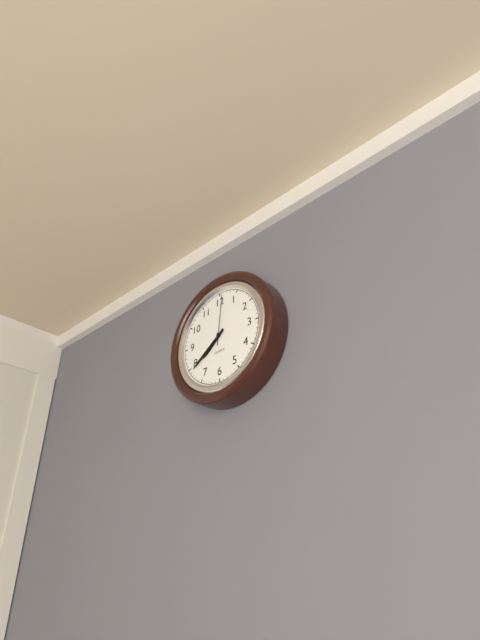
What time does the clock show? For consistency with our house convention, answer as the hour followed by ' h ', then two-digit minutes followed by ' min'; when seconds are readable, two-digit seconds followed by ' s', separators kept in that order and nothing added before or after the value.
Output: 7 h 39 min 01 s
